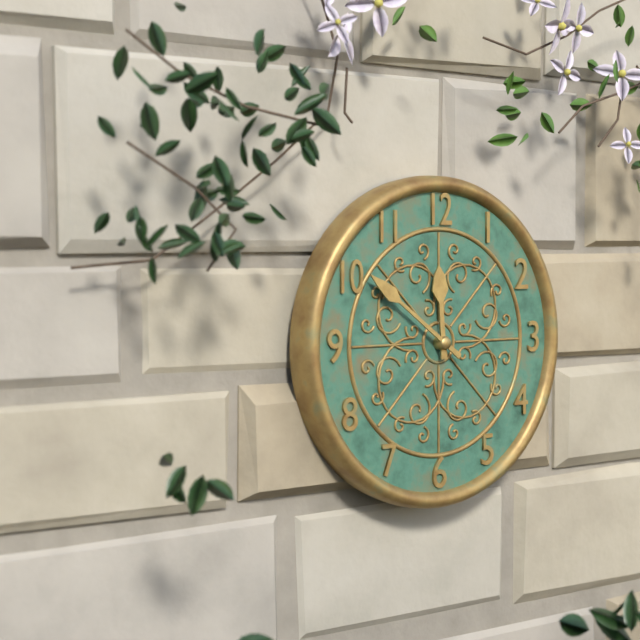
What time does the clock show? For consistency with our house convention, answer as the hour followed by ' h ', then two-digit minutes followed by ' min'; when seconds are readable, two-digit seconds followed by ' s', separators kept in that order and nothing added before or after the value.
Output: 11 h 51 min
